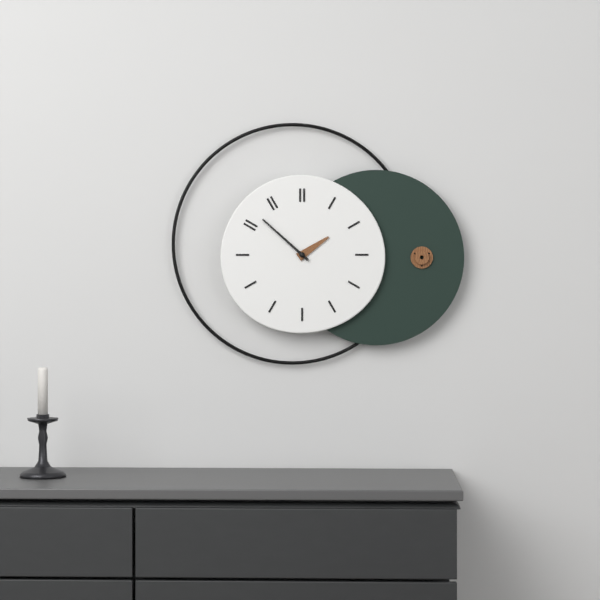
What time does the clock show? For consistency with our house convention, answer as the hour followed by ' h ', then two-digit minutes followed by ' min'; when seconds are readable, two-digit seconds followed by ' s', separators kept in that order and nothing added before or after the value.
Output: 1 h 52 min
